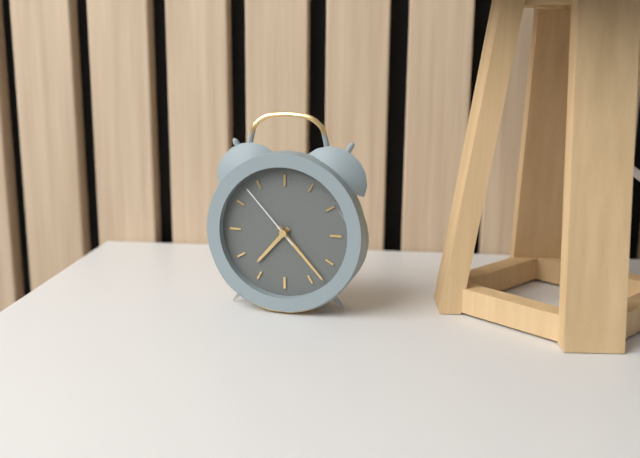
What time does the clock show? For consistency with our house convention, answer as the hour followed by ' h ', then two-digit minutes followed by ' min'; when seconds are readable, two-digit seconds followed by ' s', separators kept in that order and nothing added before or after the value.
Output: 7 h 23 min 53 s
